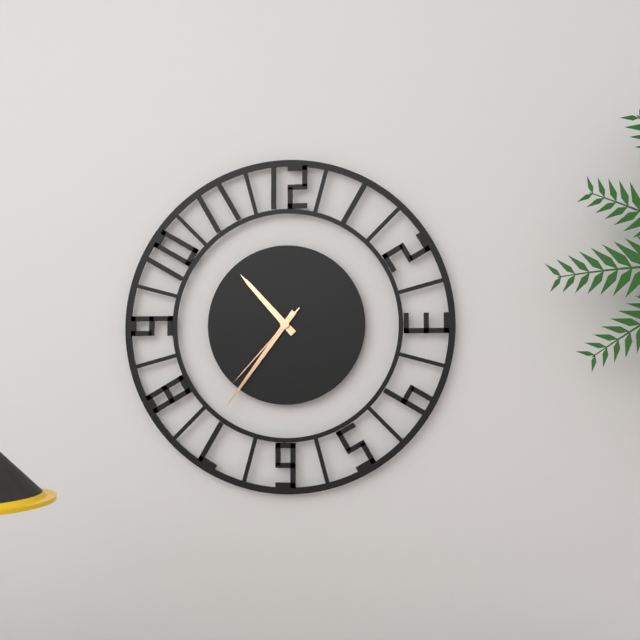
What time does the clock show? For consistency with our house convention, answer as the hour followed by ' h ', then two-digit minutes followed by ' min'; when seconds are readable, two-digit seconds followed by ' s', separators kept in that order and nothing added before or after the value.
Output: 10 h 36 min 37 s
